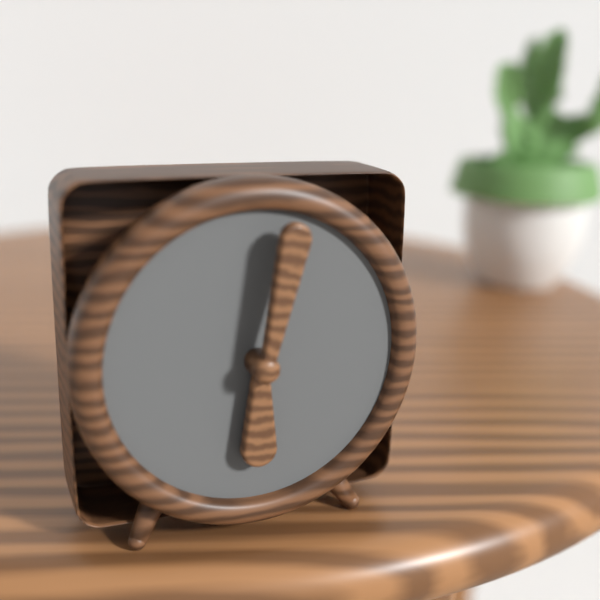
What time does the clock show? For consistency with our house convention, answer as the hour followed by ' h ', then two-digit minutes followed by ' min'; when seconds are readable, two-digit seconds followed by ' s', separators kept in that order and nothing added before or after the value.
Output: 6 h 02 min
